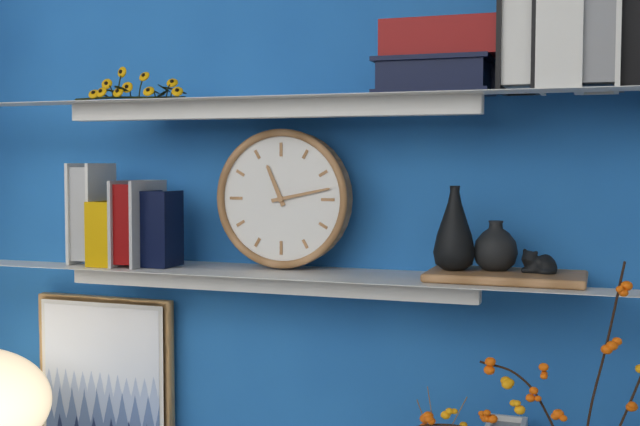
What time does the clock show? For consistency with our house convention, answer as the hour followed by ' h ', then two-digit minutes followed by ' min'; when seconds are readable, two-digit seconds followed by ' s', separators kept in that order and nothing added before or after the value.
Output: 11 h 13 min
